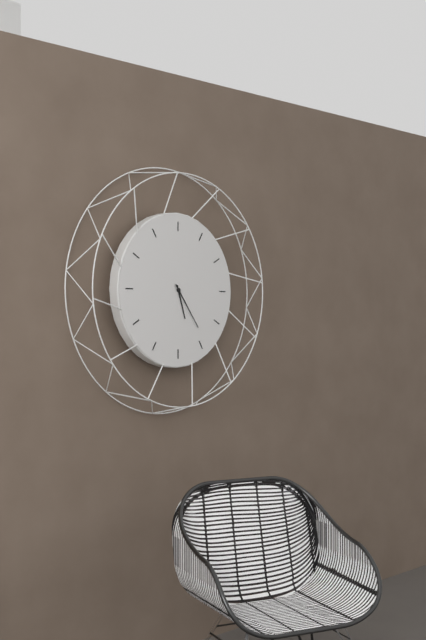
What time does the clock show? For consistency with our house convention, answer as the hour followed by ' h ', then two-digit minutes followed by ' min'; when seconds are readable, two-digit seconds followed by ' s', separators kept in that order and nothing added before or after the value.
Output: 5 h 24 min
